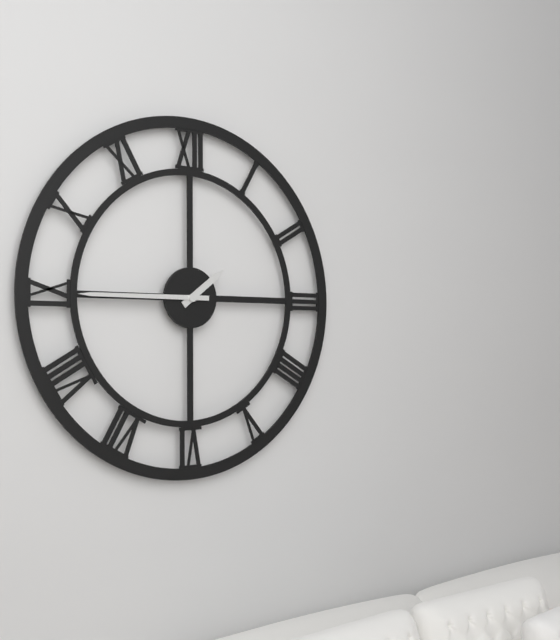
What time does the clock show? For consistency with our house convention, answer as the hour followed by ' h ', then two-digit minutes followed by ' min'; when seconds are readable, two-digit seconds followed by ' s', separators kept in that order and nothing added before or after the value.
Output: 1 h 45 min
